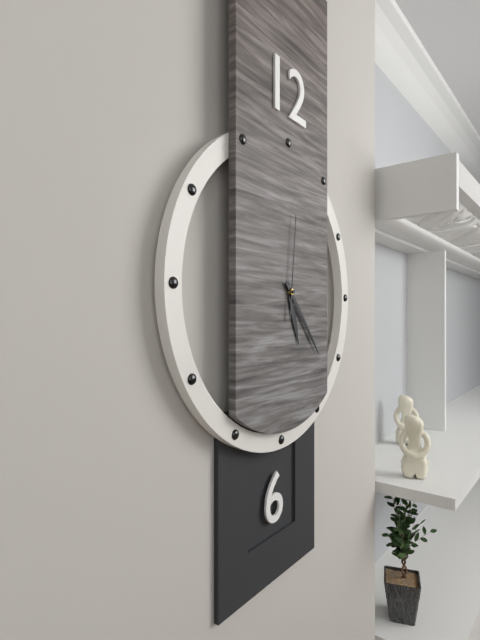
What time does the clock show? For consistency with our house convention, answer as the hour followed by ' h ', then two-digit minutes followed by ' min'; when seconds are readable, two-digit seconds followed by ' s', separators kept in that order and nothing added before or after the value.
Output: 5 h 23 min 01 s
